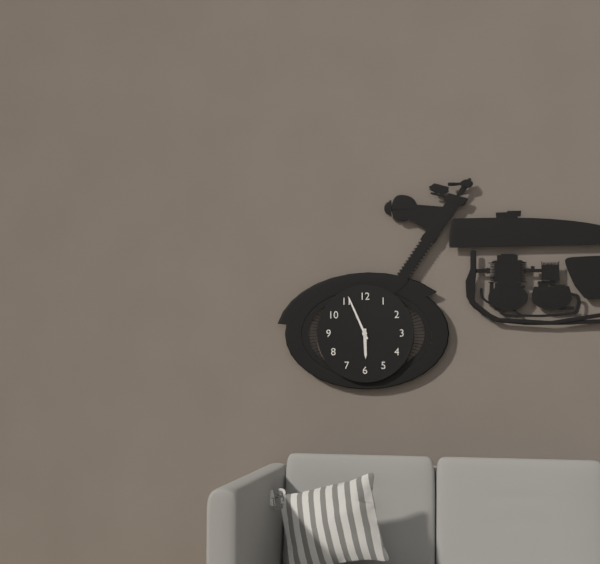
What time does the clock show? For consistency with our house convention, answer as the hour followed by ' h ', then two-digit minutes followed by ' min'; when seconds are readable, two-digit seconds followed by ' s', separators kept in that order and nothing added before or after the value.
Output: 5 h 56 min
